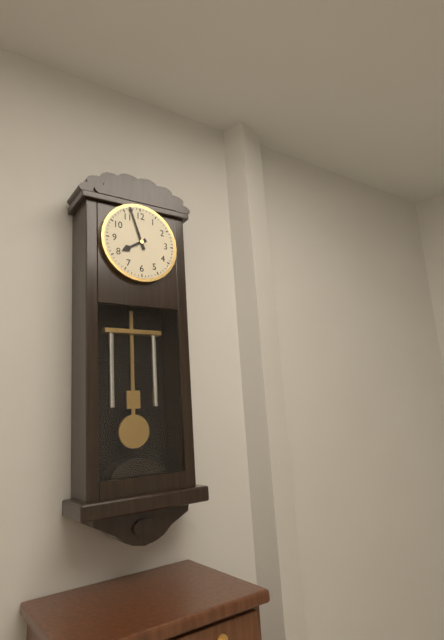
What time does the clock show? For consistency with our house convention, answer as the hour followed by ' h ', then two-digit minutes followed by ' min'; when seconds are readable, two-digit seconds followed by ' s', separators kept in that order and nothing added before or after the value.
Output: 7 h 57 min
